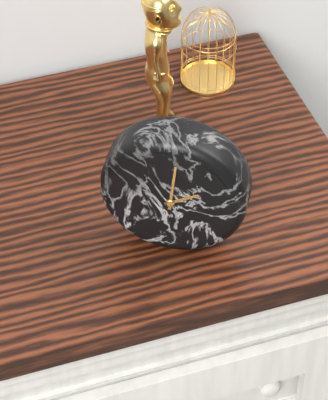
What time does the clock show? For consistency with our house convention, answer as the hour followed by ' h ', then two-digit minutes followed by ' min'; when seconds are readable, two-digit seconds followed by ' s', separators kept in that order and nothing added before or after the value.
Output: 2 h 01 min
